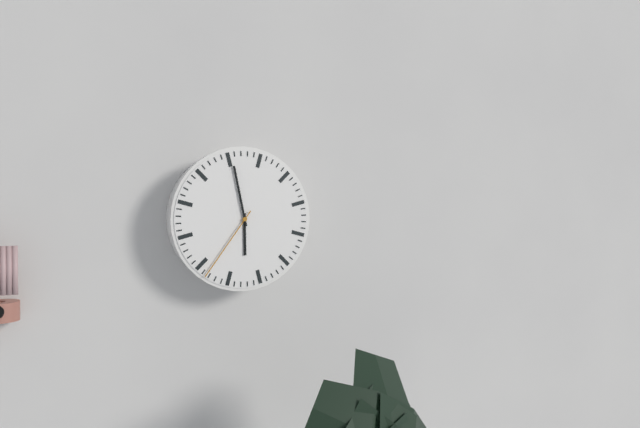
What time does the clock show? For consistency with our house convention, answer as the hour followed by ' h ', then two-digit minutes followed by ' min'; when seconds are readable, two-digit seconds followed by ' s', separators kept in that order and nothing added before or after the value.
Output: 5 h 58 min 36 s
